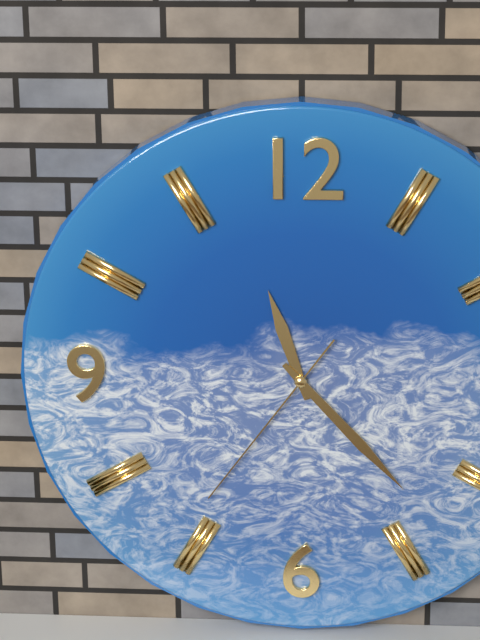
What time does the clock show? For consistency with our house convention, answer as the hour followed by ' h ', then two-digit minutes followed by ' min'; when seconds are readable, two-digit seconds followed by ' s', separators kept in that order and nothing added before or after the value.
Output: 11 h 23 min 36 s
